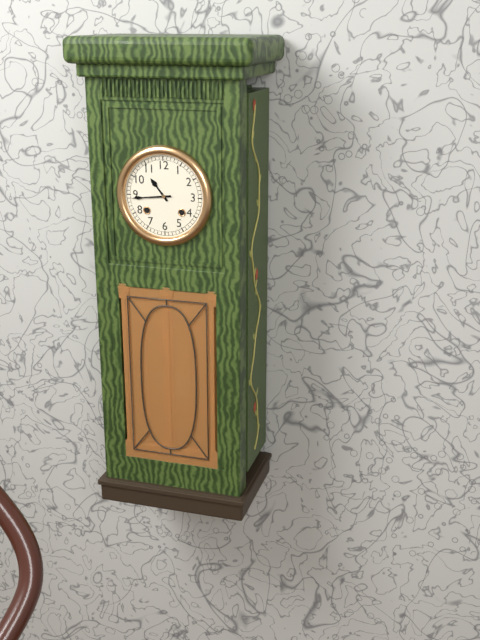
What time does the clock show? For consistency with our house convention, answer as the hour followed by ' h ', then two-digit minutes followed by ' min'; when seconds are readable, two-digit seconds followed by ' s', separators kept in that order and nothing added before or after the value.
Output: 10 h 44 min
